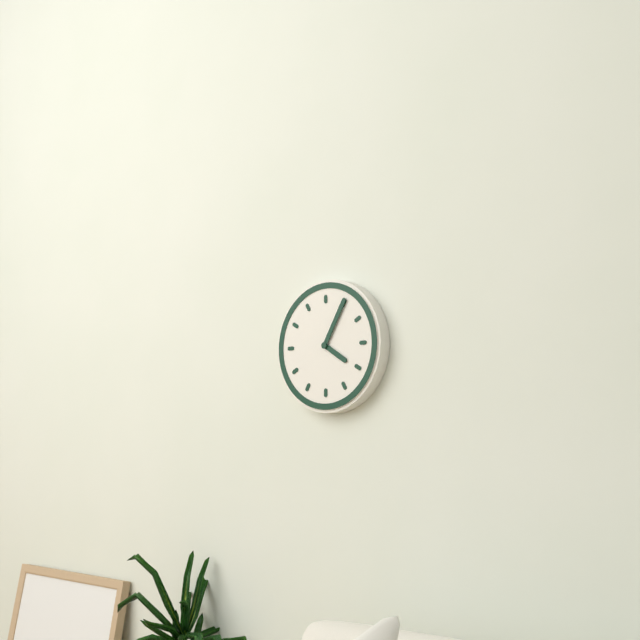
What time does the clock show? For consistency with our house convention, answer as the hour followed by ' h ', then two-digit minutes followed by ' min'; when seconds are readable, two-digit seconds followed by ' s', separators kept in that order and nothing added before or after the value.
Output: 4 h 05 min
